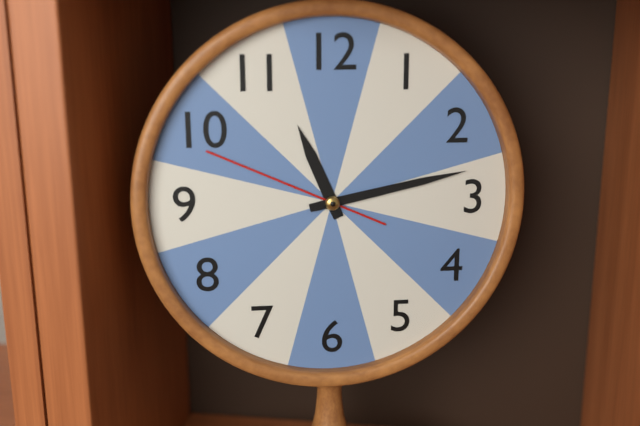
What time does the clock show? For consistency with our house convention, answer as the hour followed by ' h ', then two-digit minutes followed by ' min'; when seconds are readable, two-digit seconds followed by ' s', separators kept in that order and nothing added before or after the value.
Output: 11 h 13 min 49 s
